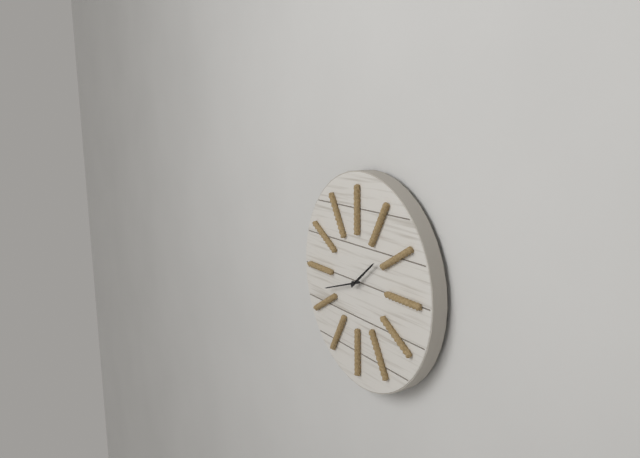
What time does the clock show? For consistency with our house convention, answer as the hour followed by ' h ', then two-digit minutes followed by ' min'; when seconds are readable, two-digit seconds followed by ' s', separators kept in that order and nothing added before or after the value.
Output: 1 h 42 min
